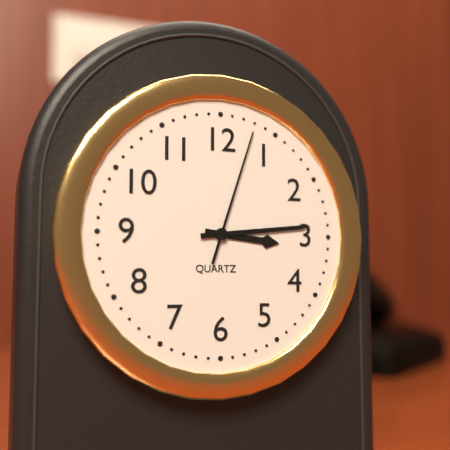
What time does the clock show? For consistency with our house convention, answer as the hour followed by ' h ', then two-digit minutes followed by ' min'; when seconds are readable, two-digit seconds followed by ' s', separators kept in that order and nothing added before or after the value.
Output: 3 h 14 min 03 s
